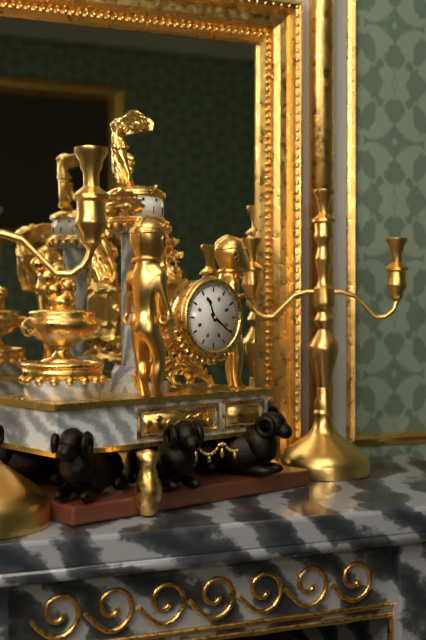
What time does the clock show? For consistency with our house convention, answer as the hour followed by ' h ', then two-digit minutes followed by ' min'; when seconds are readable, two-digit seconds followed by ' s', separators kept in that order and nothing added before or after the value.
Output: 11 h 21 min
